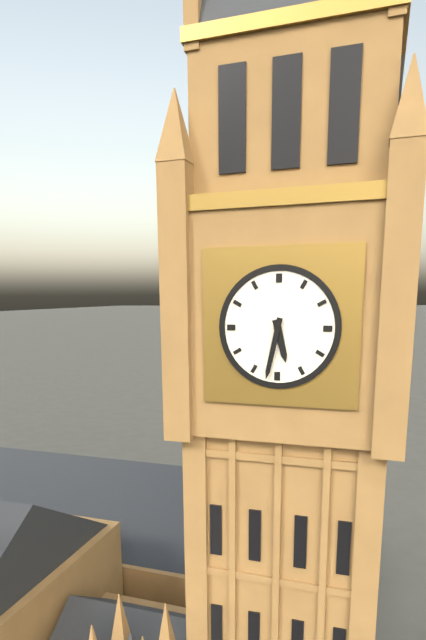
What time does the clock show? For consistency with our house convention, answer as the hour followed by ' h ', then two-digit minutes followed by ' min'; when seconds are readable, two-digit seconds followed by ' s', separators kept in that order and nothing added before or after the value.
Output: 5 h 32 min
